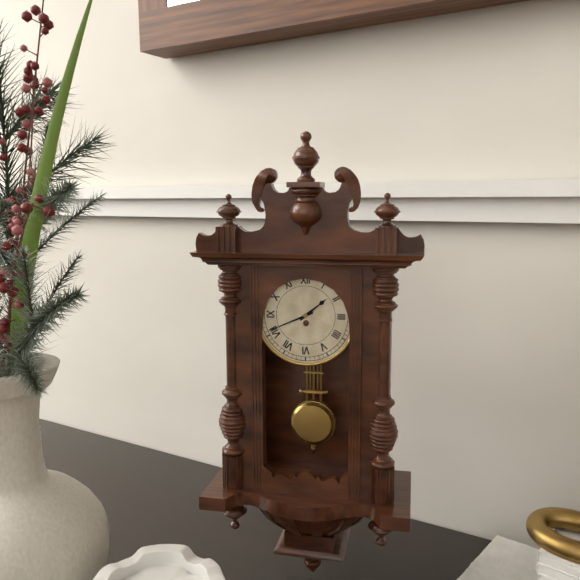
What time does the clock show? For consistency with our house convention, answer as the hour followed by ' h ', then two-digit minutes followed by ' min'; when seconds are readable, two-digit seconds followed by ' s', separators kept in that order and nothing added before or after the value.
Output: 1 h 41 min
